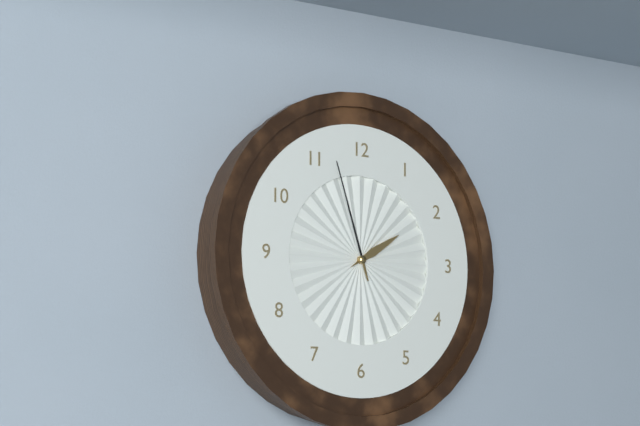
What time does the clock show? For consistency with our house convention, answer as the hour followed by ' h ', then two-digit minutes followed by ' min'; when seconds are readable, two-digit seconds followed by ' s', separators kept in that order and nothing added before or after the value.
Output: 1 h 57 min
